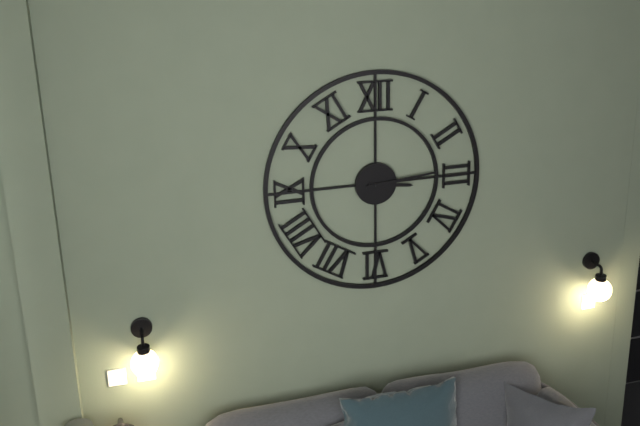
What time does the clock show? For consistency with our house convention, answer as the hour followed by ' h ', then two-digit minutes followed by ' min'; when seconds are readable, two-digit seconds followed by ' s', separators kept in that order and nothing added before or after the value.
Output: 3 h 14 min
